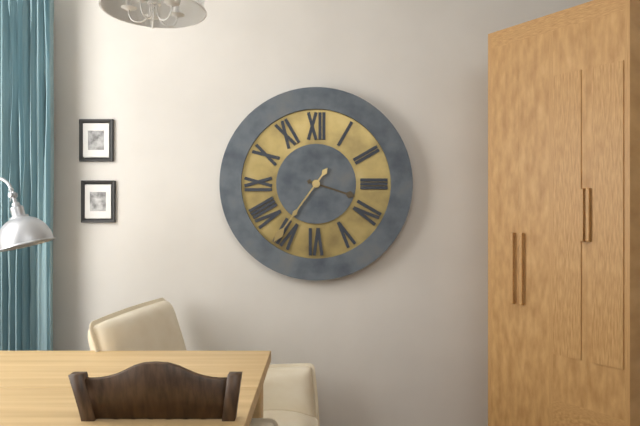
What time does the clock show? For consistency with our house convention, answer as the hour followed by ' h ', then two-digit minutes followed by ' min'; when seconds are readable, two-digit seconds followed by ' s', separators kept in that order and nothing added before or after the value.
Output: 3 h 36 min
